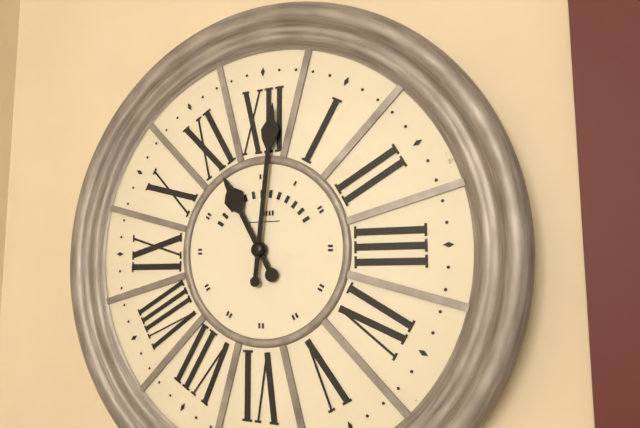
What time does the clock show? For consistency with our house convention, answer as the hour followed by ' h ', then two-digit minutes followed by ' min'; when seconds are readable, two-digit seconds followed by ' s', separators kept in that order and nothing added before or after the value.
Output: 11 h 01 min
